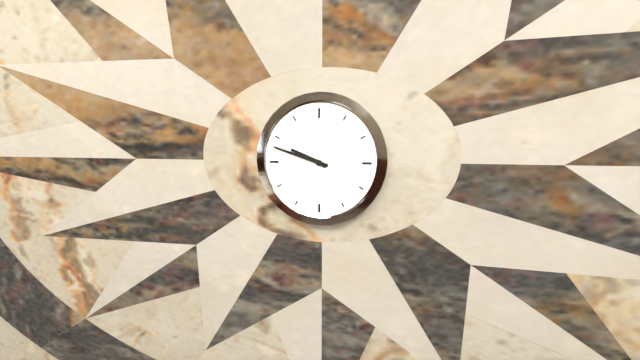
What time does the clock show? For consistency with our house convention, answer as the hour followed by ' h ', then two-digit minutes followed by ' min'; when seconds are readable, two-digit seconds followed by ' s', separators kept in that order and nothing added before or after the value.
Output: 9 h 48 min
